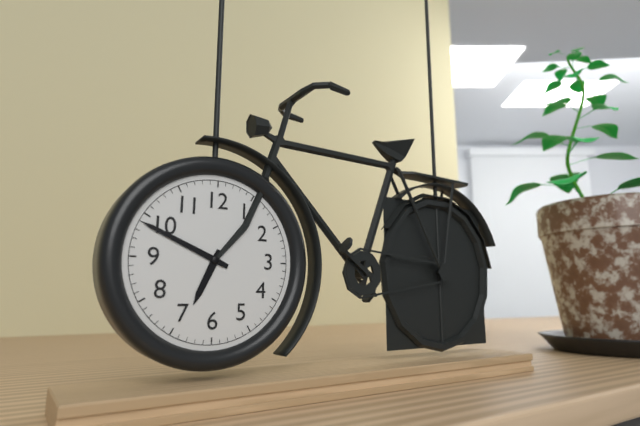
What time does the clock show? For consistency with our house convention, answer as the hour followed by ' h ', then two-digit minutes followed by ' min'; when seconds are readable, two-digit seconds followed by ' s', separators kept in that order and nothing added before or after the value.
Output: 6 h 49 min
